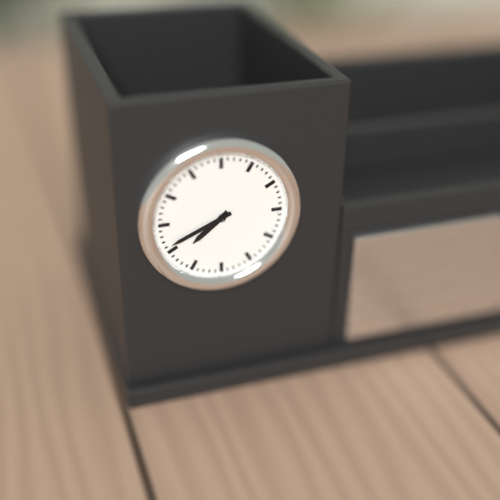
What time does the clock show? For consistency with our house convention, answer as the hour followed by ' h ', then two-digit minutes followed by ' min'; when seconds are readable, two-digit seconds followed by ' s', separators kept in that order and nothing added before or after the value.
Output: 7 h 41 min
